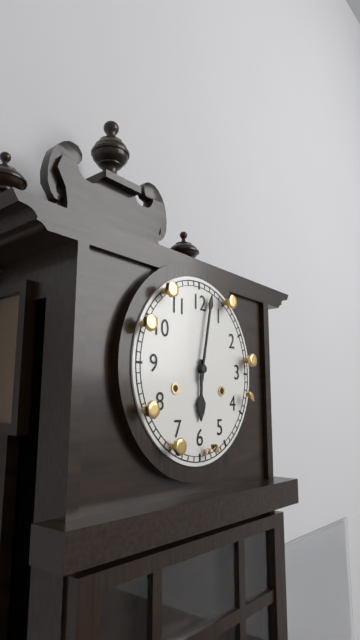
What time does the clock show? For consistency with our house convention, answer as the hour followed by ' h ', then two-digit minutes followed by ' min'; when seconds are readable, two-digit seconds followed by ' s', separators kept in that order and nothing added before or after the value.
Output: 6 h 02 min
